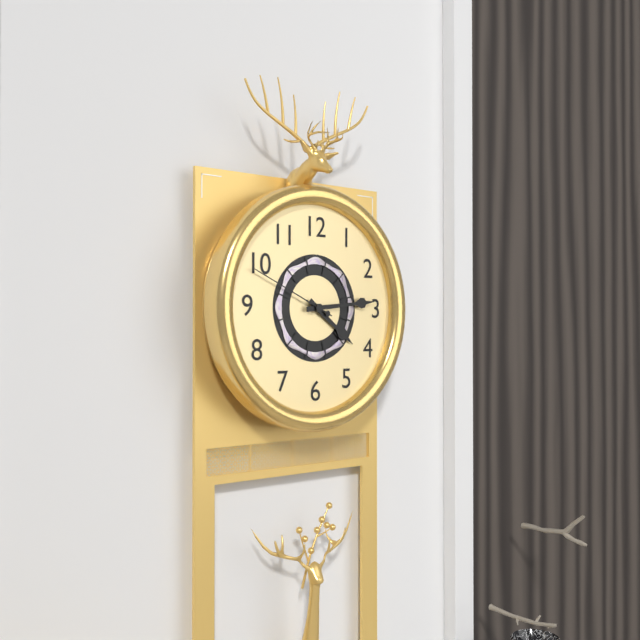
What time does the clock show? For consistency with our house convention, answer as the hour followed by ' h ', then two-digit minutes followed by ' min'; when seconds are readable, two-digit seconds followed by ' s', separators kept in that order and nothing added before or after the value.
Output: 4 h 14 min 49 s
